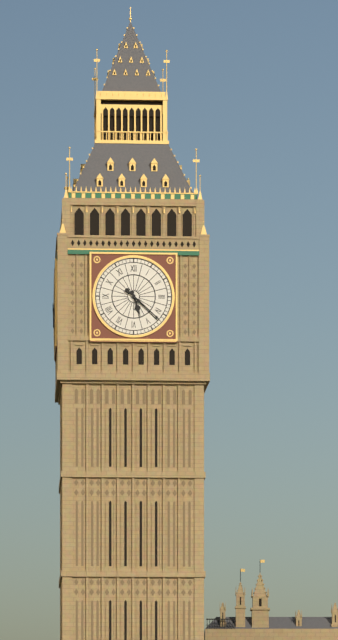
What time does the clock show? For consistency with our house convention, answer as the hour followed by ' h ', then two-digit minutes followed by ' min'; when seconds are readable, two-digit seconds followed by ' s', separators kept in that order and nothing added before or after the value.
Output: 5 h 22 min
